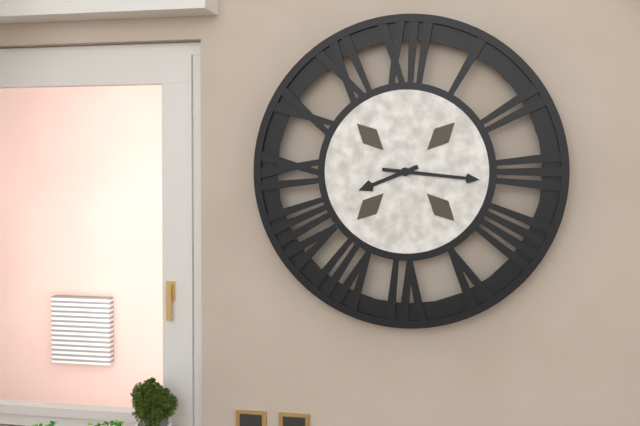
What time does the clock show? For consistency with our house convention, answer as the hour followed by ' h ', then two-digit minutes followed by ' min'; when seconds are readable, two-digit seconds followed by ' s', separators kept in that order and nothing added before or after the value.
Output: 8 h 16 min
